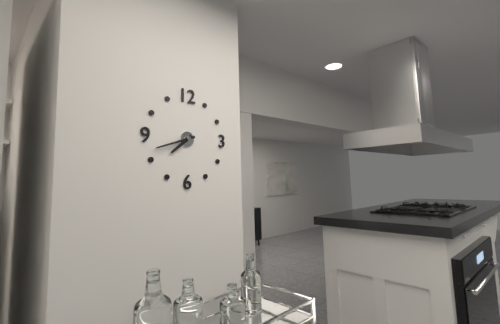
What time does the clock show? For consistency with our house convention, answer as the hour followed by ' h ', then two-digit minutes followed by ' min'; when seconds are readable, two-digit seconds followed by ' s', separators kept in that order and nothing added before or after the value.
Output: 7 h 42 min
